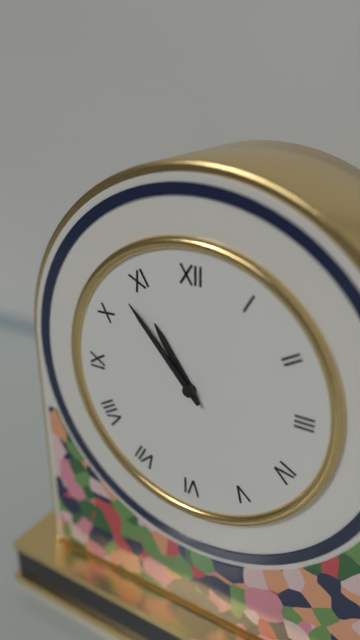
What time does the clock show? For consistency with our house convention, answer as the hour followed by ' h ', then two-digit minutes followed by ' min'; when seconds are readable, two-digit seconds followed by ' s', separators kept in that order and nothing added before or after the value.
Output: 10 h 53 min
